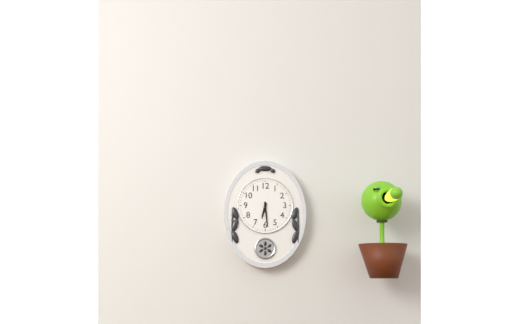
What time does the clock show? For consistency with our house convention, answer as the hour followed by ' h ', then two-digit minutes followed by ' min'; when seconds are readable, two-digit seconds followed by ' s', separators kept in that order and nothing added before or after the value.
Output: 6 h 29 min
